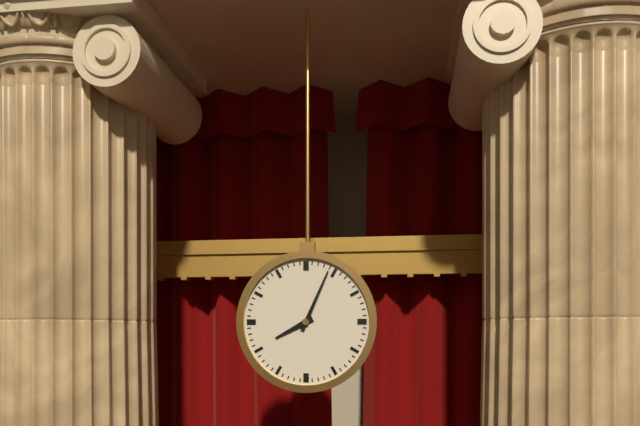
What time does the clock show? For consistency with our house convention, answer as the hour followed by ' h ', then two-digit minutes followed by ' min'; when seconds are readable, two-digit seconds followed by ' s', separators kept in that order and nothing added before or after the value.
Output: 8 h 04 min
